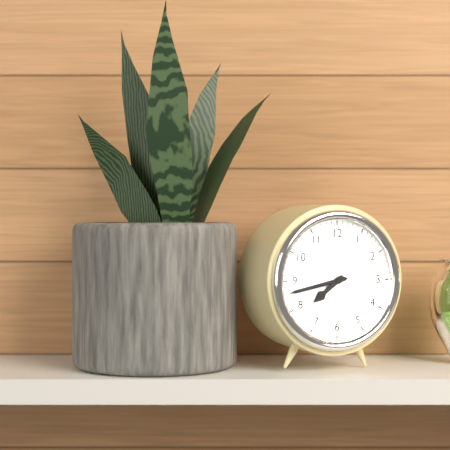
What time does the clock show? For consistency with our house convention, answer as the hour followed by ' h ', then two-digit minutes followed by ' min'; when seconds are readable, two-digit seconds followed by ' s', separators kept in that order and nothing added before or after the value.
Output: 7 h 43 min
